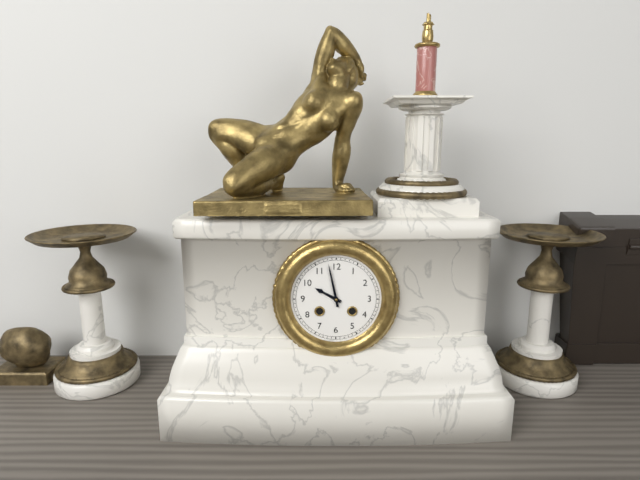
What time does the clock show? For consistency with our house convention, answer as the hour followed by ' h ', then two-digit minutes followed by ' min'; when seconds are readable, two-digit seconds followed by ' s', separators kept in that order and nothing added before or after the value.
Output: 9 h 58 min
